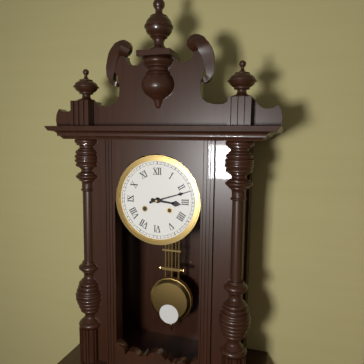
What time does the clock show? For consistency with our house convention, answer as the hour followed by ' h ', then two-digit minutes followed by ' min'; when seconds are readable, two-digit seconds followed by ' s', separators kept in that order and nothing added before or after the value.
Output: 3 h 12 min
